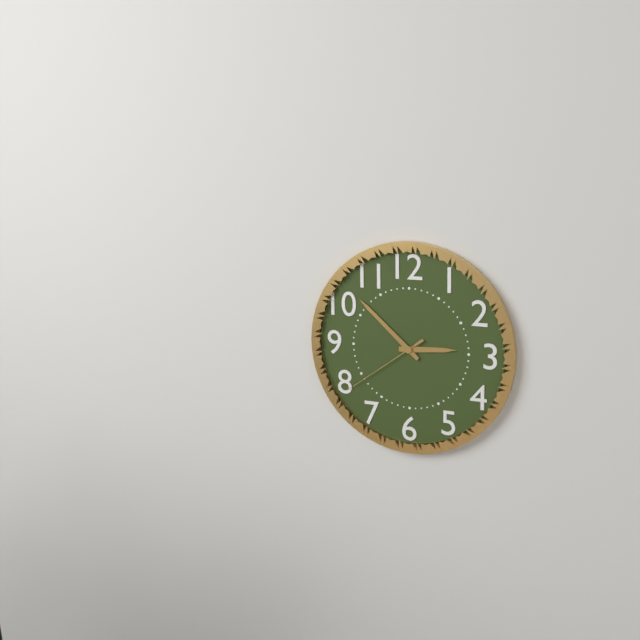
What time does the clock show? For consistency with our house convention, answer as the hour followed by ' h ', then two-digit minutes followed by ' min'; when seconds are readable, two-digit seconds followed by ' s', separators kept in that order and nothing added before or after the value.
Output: 2 h 52 min 39 s
